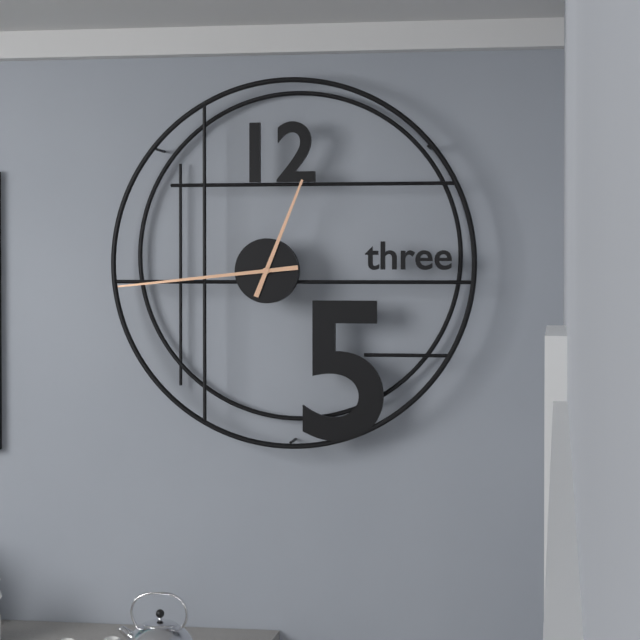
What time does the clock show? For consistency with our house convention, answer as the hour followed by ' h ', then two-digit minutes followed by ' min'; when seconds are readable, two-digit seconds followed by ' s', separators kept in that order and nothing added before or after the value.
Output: 12 h 44 min
